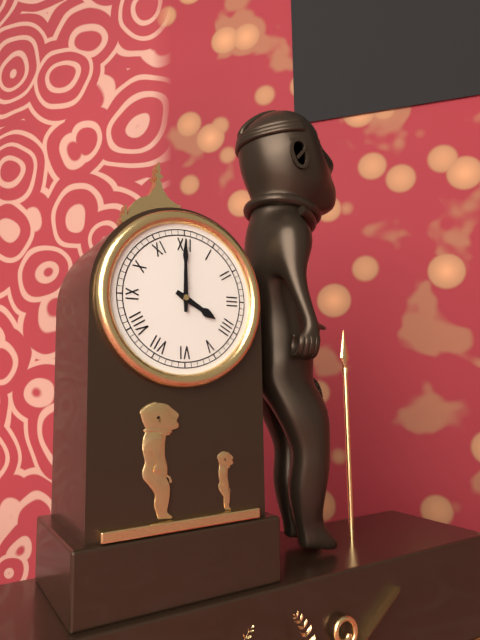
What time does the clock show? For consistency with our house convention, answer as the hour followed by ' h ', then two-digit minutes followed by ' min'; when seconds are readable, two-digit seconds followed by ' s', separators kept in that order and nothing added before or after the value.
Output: 4 h 00 min
